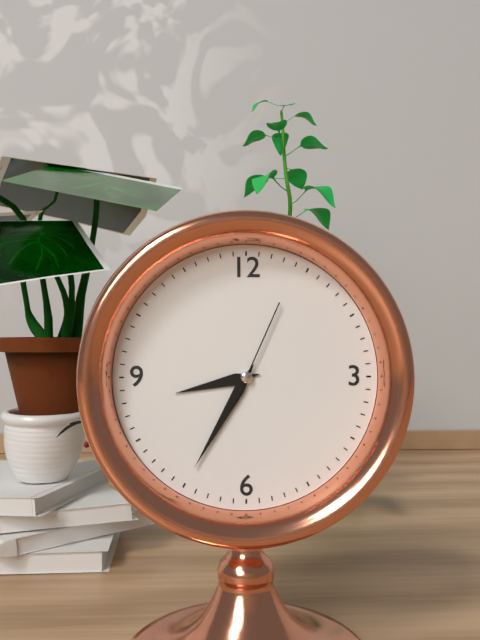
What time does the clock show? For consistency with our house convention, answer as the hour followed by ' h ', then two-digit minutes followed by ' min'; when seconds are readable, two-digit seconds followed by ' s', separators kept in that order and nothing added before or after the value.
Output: 8 h 35 min 04 s
